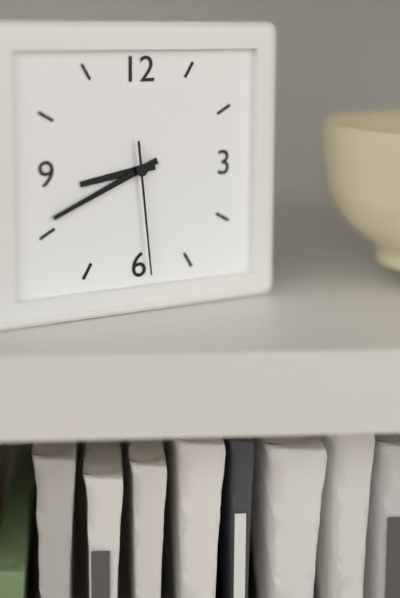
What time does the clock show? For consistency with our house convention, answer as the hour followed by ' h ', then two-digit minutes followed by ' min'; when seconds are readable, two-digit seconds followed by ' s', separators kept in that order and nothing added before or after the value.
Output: 8 h 41 min 29 s
